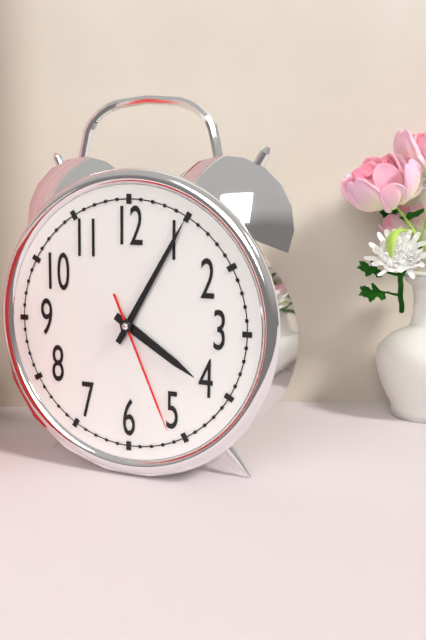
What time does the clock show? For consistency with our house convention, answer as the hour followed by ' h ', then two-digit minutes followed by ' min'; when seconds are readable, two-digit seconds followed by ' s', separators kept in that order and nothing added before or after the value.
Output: 4 h 05 min 26 s
